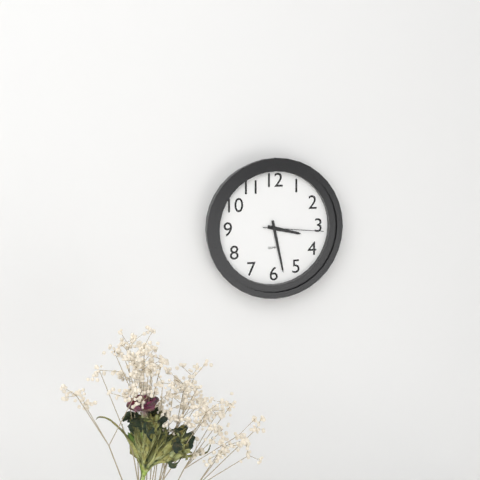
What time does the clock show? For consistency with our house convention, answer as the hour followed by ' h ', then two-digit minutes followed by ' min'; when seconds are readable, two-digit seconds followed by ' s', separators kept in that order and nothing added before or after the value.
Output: 3 h 28 min 16 s
